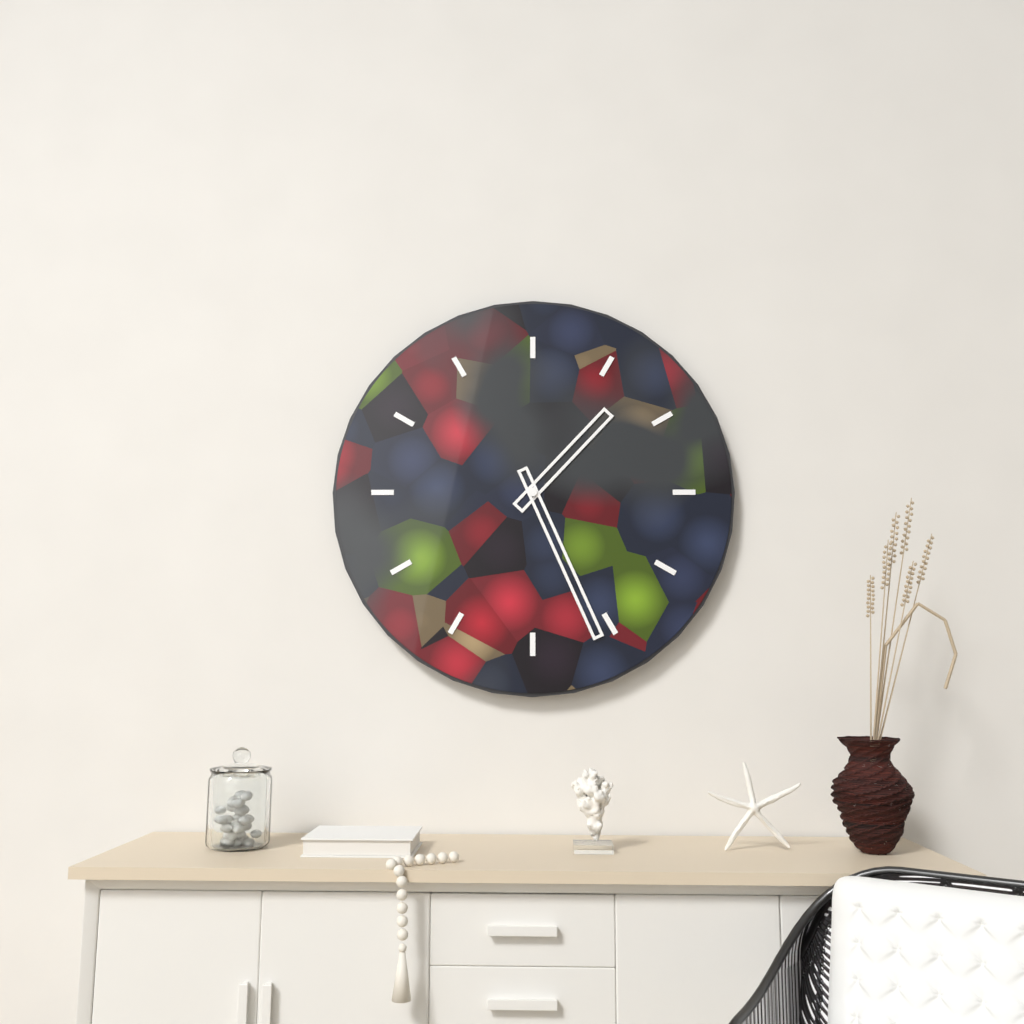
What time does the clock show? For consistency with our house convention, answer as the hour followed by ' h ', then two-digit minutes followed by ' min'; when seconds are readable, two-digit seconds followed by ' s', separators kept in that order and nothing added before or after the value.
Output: 1 h 26 min
